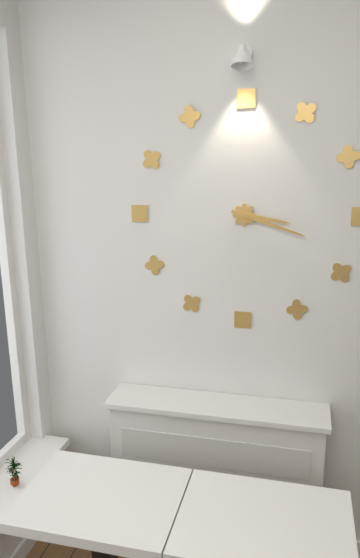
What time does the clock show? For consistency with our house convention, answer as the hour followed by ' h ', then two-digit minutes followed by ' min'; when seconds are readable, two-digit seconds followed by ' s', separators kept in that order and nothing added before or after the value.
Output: 3 h 18 min
